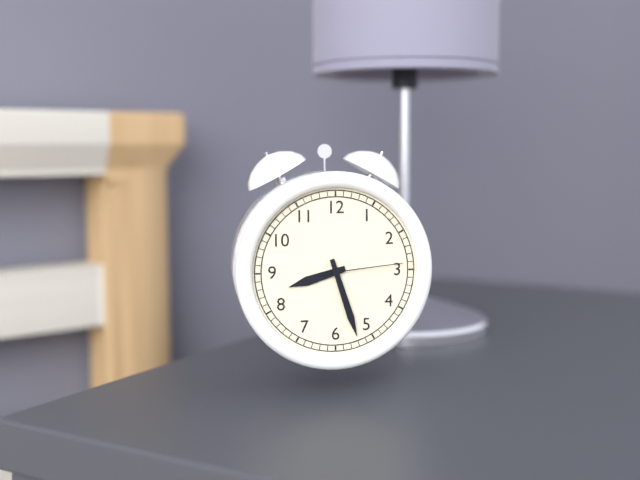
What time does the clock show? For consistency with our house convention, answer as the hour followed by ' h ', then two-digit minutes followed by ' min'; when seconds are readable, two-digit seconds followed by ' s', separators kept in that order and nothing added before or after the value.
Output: 8 h 27 min 14 s
